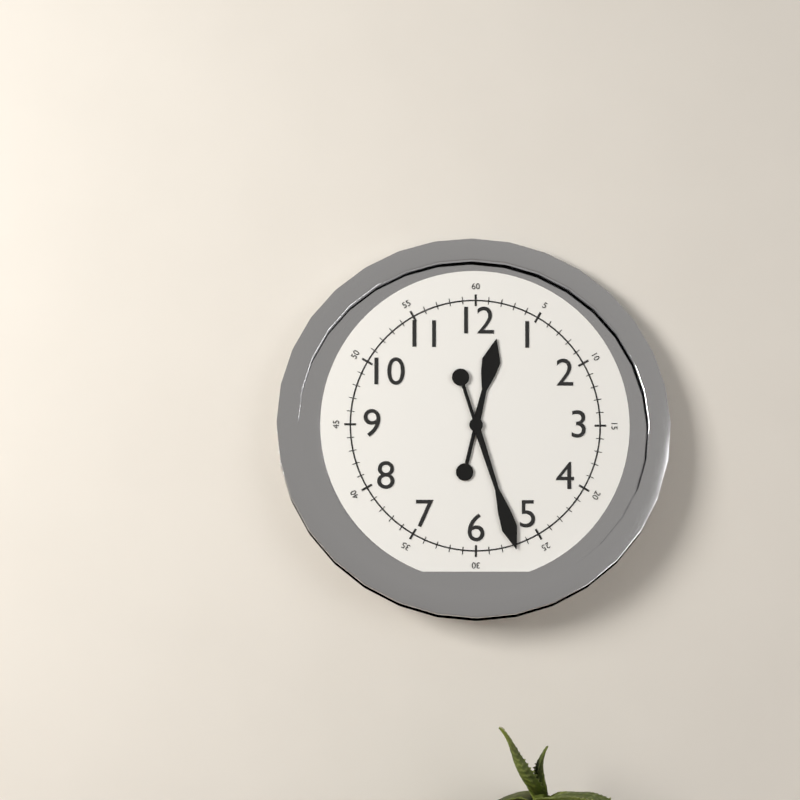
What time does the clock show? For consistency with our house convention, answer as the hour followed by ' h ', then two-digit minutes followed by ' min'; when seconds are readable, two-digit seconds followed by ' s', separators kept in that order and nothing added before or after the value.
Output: 12 h 27 min
